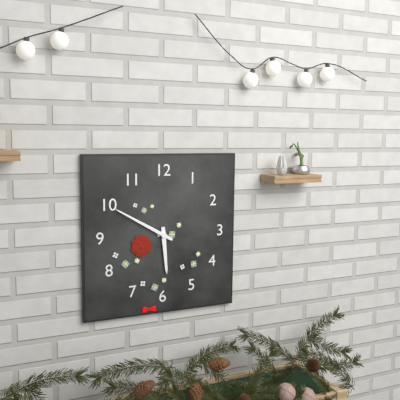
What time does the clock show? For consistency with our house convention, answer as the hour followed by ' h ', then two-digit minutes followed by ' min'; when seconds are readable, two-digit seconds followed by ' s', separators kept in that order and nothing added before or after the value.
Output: 5 h 50 min
